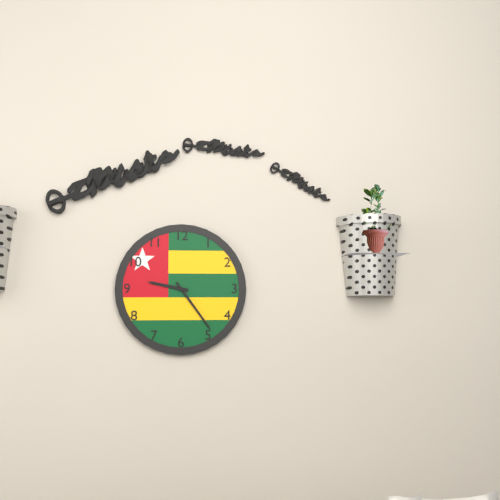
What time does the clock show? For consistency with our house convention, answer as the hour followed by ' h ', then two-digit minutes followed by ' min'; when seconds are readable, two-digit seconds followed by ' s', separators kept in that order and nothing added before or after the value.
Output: 9 h 24 min
